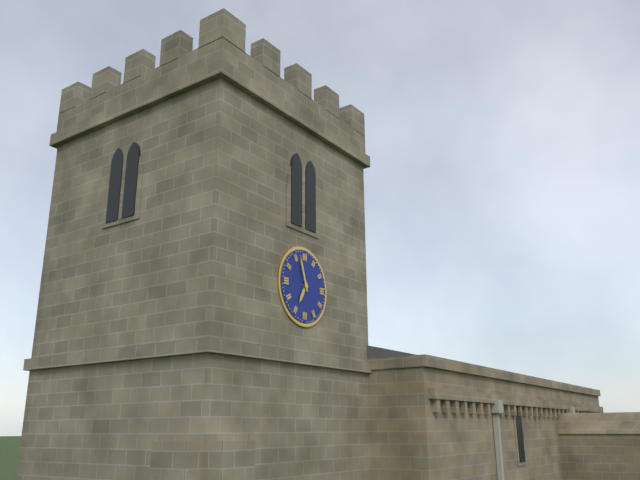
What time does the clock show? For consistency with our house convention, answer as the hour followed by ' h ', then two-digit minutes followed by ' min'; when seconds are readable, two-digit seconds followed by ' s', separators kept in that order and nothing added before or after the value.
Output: 6 h 57 min
